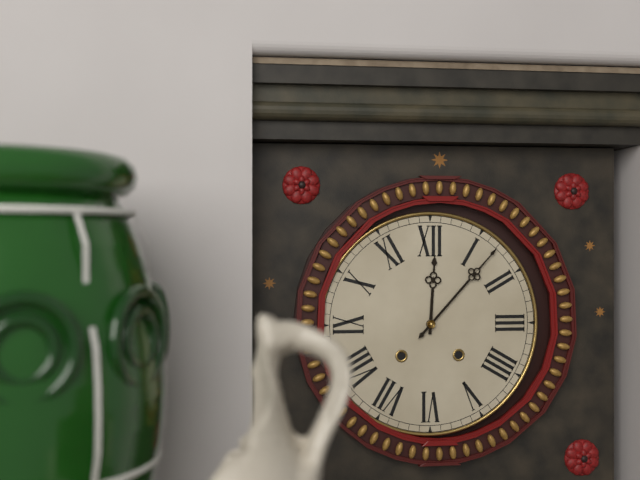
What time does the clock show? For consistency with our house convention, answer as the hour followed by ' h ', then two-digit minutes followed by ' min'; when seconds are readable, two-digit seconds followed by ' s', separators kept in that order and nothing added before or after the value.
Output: 12 h 07 min
